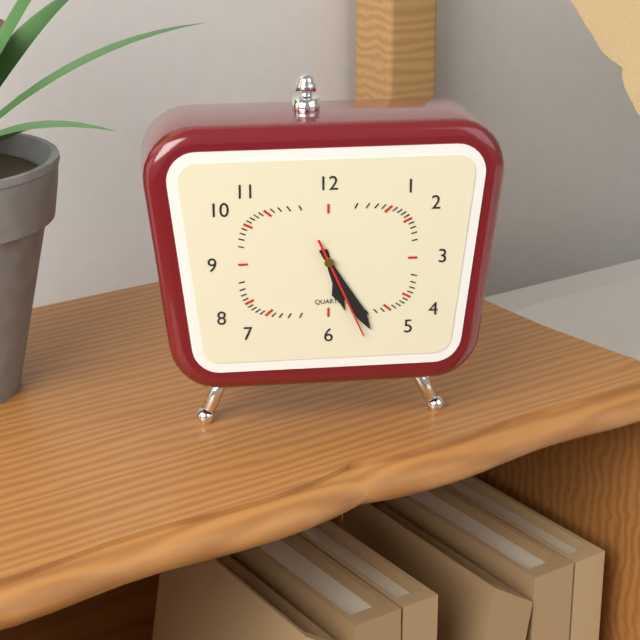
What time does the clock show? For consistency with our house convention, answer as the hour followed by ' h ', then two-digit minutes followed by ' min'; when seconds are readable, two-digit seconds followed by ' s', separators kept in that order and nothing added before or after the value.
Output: 5 h 25 min 26 s
